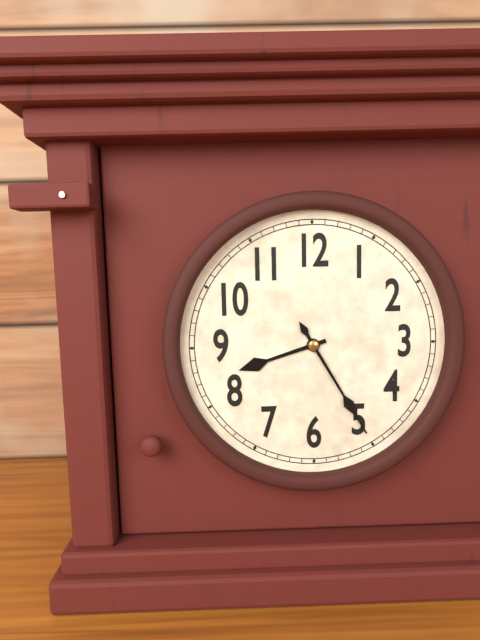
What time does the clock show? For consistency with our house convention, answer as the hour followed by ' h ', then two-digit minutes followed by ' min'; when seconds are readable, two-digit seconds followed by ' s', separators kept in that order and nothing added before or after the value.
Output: 8 h 25 min
